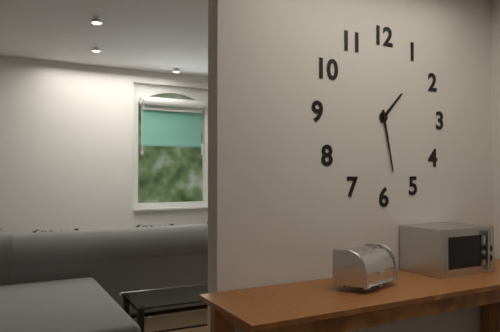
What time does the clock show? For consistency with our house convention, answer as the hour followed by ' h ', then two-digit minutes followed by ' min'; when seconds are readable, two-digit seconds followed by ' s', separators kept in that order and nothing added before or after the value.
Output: 1 h 28 min
